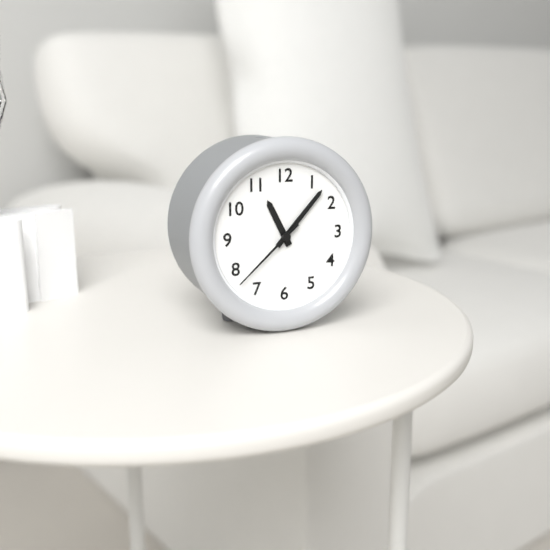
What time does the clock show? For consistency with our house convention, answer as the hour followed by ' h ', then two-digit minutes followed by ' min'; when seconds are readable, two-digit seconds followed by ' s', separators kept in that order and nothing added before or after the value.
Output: 11 h 07 min 38 s
